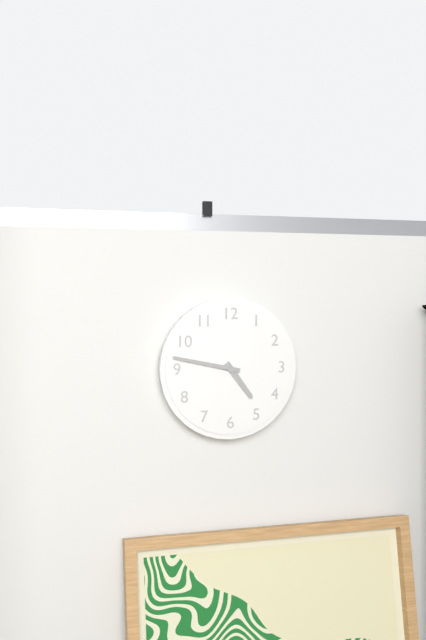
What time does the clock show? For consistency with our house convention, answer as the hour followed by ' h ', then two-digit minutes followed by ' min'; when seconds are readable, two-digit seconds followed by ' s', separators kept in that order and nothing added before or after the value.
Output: 4 h 47 min
